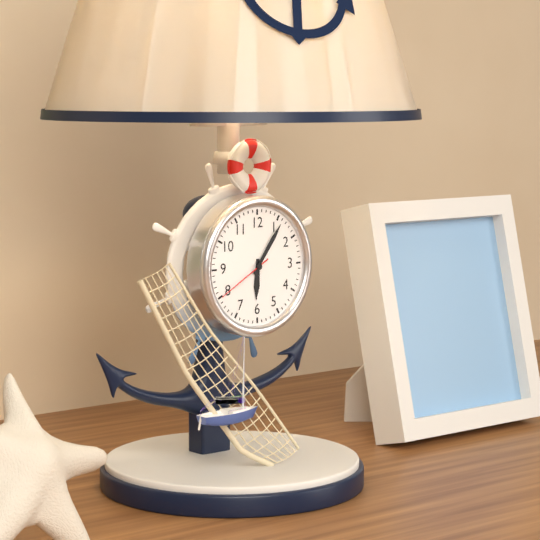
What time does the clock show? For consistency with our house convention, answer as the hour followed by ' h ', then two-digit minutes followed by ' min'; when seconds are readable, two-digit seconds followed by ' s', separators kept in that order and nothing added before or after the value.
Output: 6 h 06 min 40 s
